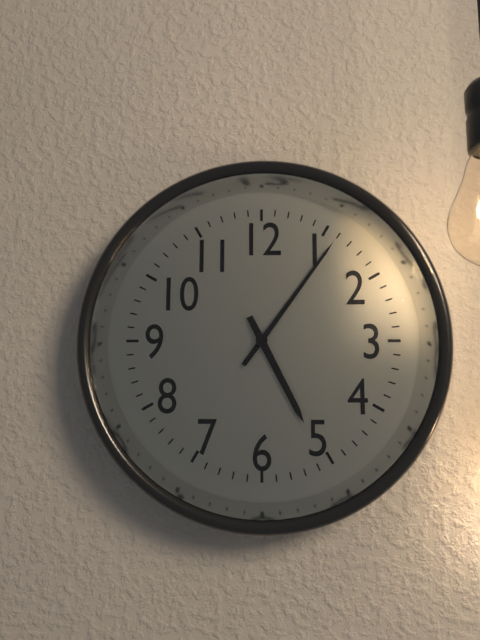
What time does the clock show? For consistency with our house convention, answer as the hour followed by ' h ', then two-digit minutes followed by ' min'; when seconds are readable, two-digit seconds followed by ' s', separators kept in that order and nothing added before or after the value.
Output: 5 h 06 min
